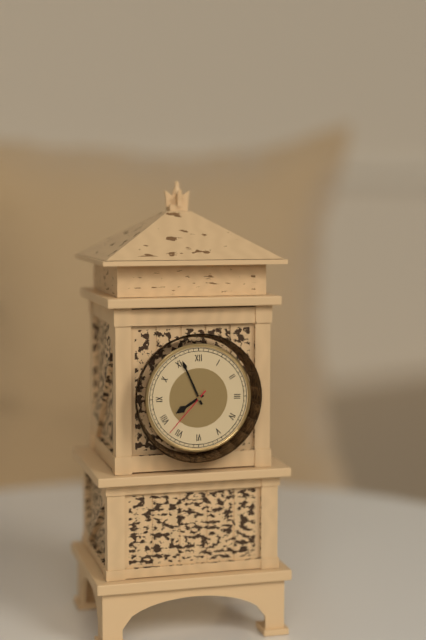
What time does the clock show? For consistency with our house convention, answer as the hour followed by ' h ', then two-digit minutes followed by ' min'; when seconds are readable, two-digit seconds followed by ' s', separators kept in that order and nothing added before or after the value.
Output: 7 h 56 min 37 s
